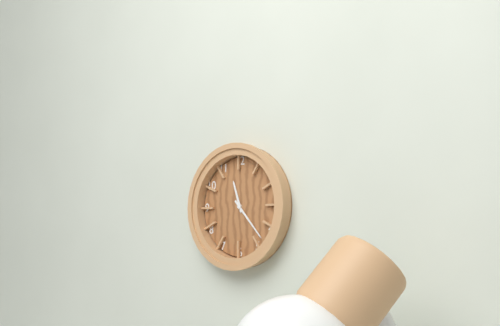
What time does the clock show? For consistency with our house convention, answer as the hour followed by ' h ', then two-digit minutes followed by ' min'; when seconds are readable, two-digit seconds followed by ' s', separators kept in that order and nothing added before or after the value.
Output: 11 h 23 min
